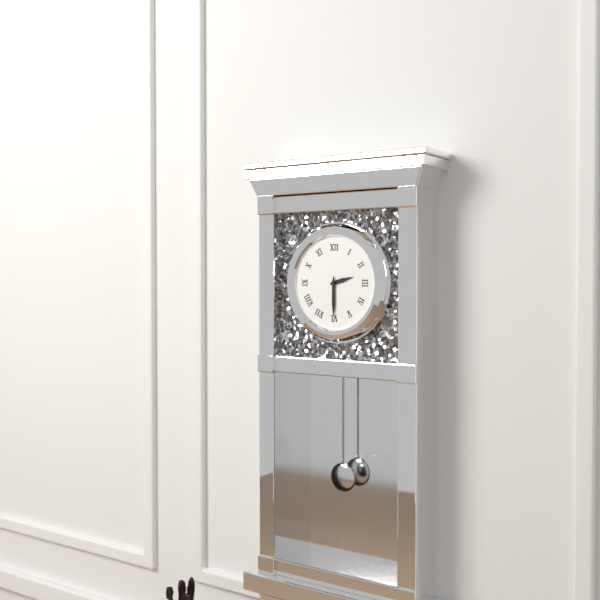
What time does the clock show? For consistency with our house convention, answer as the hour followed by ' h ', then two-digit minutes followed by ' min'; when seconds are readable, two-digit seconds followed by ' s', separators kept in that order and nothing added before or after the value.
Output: 2 h 30 min
